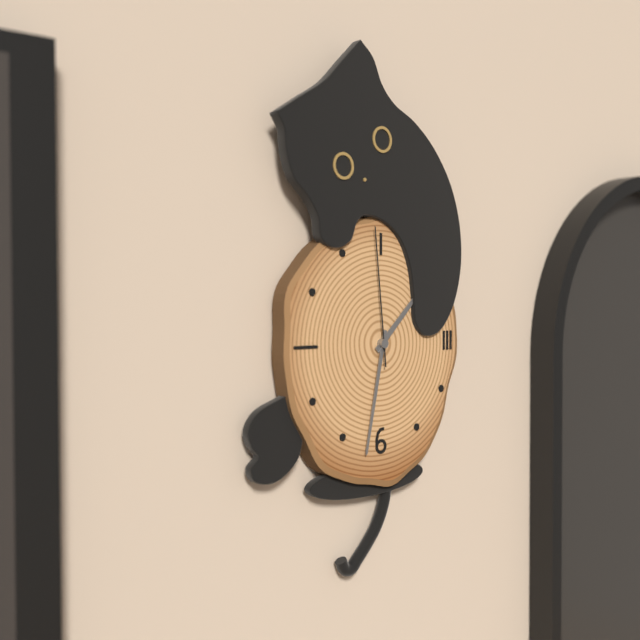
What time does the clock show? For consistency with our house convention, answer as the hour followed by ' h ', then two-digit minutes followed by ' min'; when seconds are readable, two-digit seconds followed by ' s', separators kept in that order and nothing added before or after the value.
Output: 1 h 32 min 59 s
